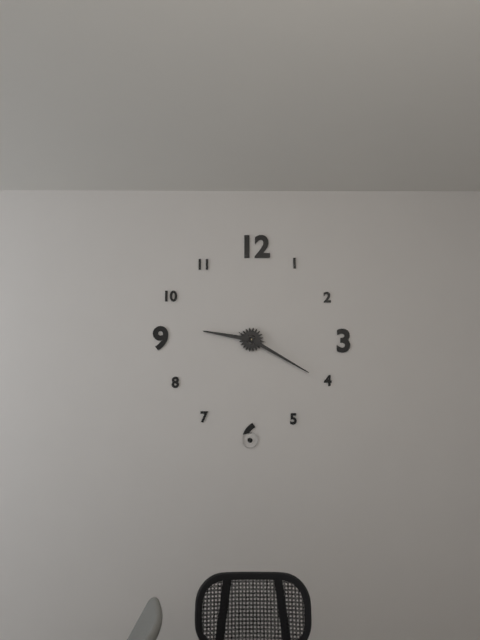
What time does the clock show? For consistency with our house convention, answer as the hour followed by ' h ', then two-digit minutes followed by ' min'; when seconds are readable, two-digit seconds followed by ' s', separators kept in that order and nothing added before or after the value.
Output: 9 h 20 min
